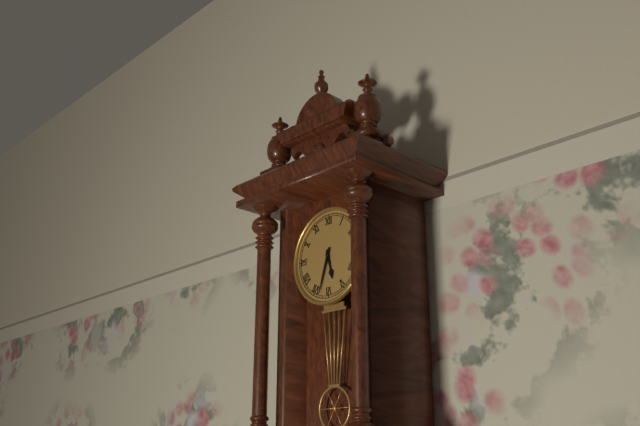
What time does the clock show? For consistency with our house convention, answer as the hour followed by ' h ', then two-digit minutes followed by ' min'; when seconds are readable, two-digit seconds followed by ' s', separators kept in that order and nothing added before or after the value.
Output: 5 h 33 min
